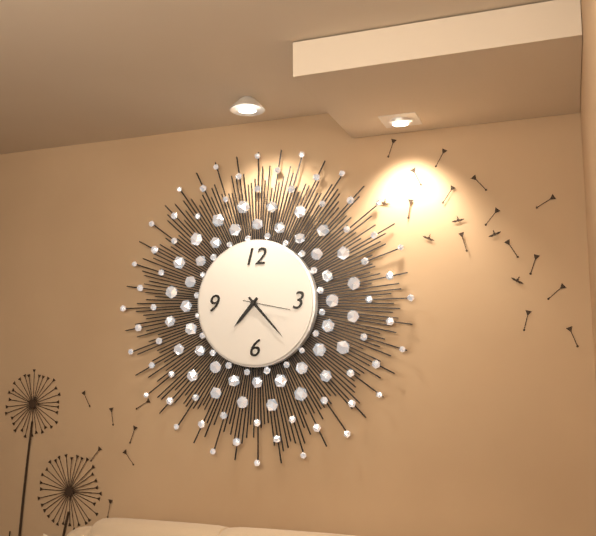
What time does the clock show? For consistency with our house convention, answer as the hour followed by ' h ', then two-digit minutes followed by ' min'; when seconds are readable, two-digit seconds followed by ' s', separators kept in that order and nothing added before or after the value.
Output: 7 h 23 min
